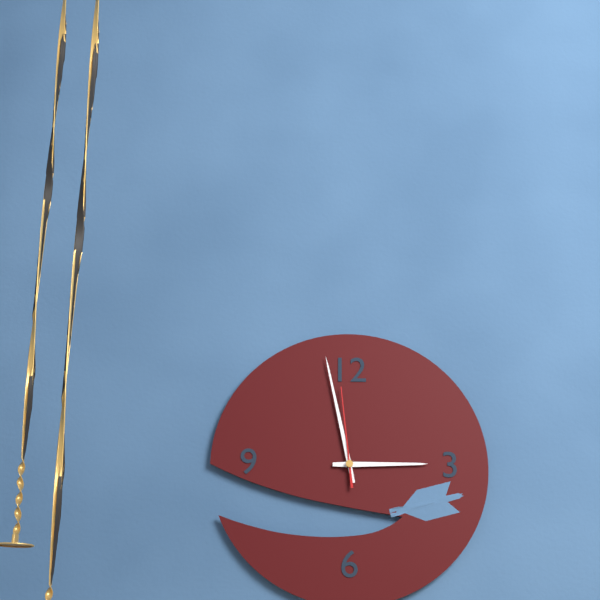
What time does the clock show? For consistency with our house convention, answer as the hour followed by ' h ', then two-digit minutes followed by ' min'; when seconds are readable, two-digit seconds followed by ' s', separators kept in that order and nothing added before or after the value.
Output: 2 h 58 min 59 s
